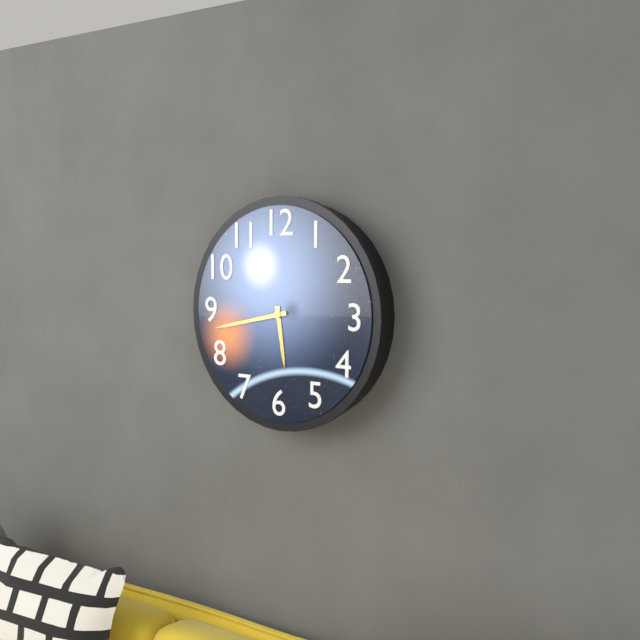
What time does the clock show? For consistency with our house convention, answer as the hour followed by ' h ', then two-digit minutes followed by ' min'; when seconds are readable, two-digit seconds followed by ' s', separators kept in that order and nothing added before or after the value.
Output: 5 h 43 min
